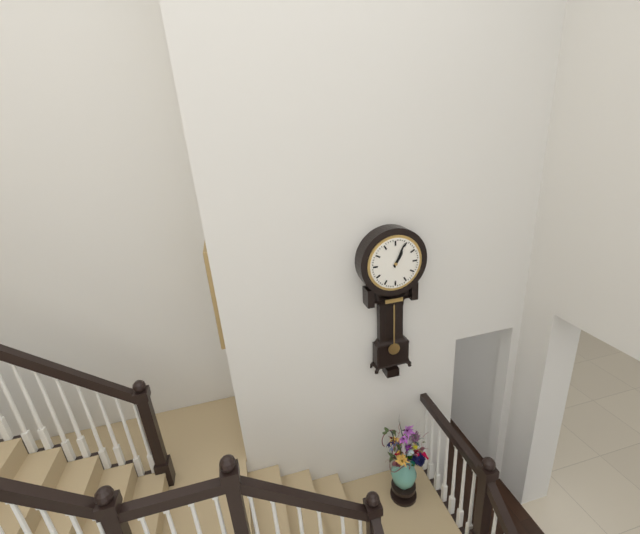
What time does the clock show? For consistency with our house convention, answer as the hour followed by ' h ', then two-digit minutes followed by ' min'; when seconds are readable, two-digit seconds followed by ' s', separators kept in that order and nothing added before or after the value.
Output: 1 h 04 min
